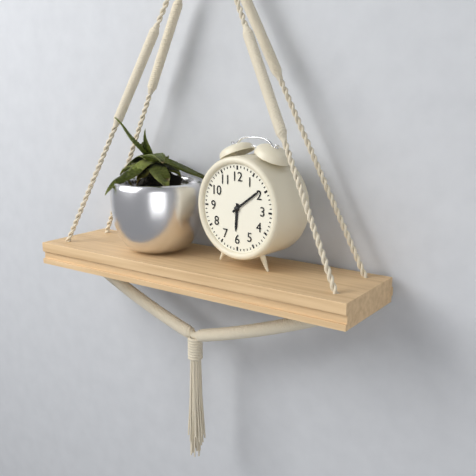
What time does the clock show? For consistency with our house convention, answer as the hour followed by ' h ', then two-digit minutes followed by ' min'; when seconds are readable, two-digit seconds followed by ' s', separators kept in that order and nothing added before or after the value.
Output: 6 h 09 min
